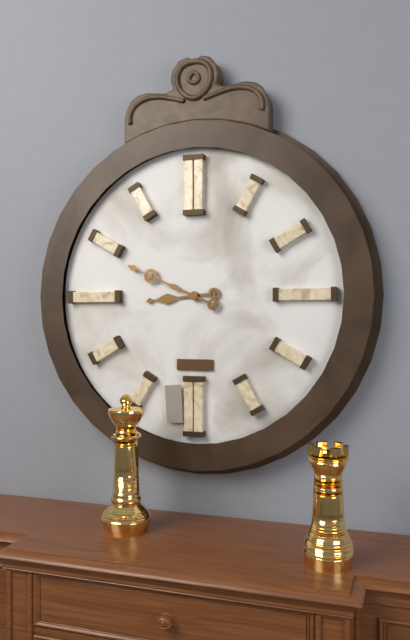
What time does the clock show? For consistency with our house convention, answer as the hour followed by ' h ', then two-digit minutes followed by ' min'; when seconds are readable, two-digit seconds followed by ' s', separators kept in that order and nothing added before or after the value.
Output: 8 h 49 min
